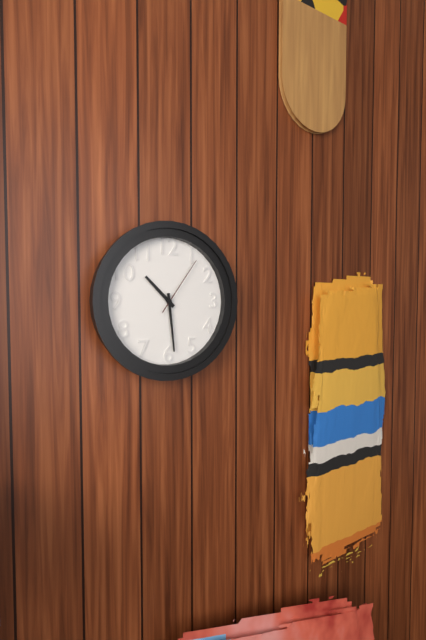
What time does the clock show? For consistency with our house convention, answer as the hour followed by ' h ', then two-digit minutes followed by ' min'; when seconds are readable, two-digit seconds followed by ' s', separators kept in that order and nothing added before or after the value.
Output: 10 h 29 min 06 s
